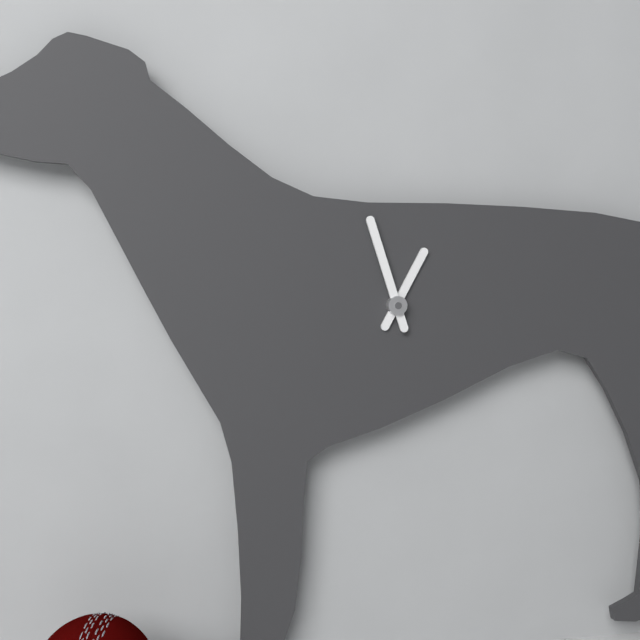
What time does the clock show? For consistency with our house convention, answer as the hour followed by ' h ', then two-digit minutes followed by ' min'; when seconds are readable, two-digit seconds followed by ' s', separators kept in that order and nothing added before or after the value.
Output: 12 h 57 min
